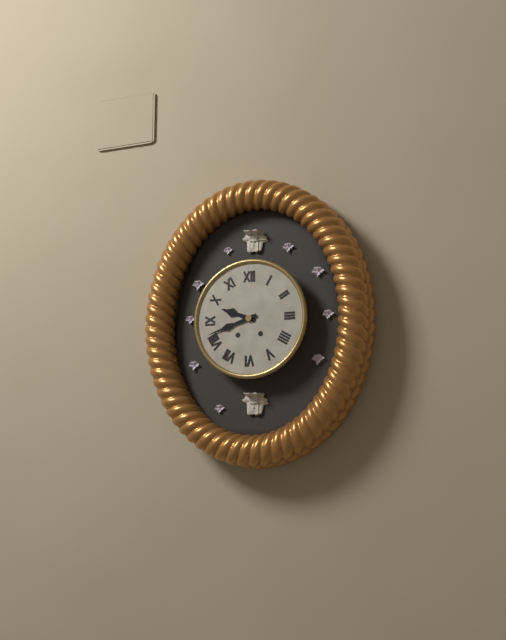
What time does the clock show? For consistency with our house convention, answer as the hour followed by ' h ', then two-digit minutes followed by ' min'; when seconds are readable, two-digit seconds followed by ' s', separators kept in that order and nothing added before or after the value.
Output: 9 h 42 min
